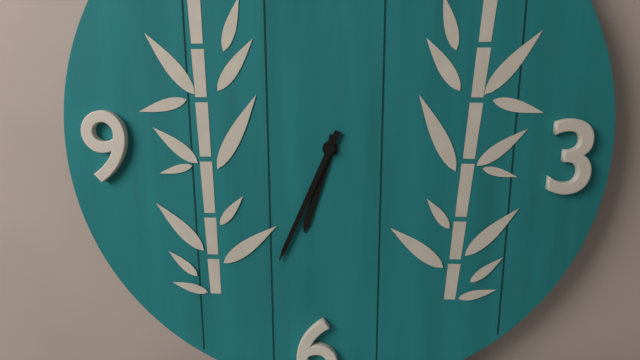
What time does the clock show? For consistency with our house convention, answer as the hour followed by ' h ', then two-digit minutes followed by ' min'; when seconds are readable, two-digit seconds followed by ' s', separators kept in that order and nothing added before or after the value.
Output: 6 h 34 min
